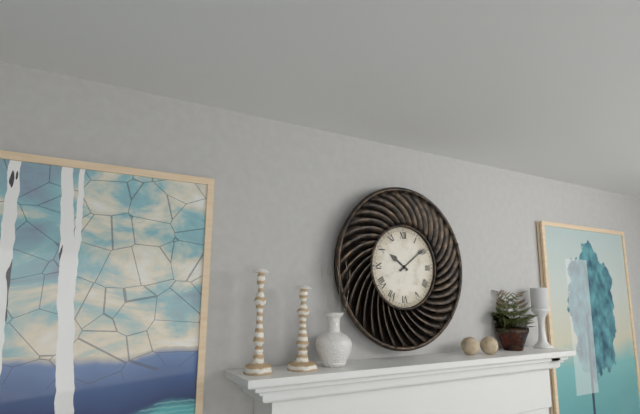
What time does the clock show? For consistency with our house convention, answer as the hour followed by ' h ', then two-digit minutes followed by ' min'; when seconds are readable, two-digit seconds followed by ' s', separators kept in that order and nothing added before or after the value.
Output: 10 h 09 min
